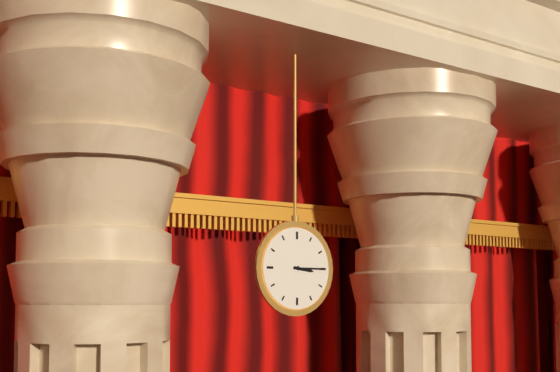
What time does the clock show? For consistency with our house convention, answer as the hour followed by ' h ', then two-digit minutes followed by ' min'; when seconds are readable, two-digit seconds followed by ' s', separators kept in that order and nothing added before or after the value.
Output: 3 h 15 min
